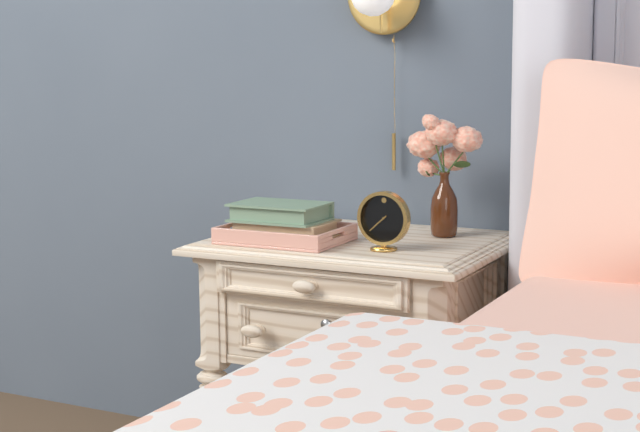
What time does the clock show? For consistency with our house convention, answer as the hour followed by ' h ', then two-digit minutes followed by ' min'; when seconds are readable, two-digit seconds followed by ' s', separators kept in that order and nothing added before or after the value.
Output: 7 h 38 min
